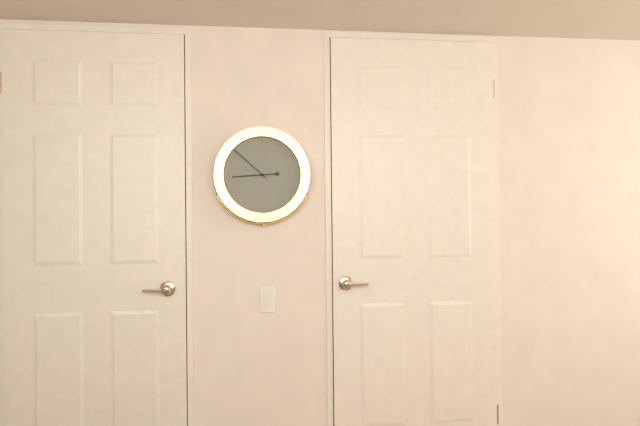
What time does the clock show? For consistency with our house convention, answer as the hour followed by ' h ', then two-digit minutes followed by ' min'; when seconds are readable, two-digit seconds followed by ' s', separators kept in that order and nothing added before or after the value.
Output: 8 h 52 min
